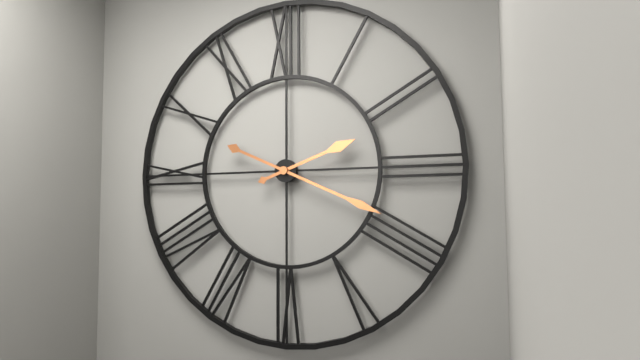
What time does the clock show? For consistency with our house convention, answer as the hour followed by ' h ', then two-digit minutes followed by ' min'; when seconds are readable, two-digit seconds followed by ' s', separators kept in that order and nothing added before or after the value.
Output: 2 h 19 min
